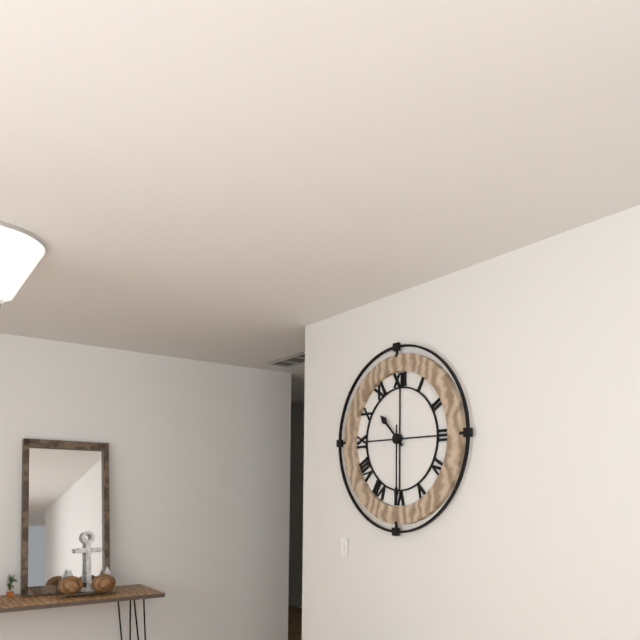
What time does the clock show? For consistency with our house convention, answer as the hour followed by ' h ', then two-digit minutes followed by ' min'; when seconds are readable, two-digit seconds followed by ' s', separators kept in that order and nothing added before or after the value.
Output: 10 h 30 min
